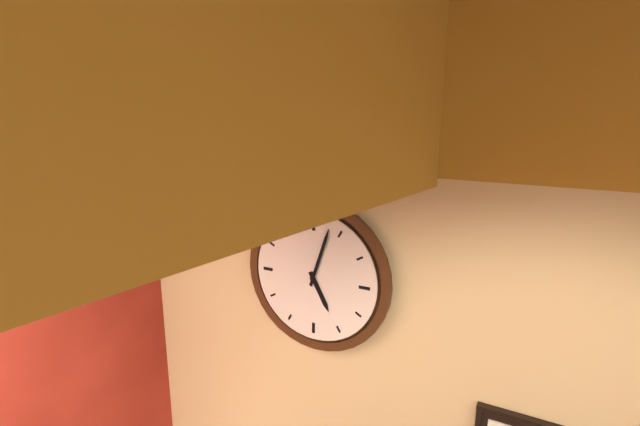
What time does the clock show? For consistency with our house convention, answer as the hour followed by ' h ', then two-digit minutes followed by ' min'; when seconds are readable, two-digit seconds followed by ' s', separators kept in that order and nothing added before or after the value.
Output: 5 h 03 min
